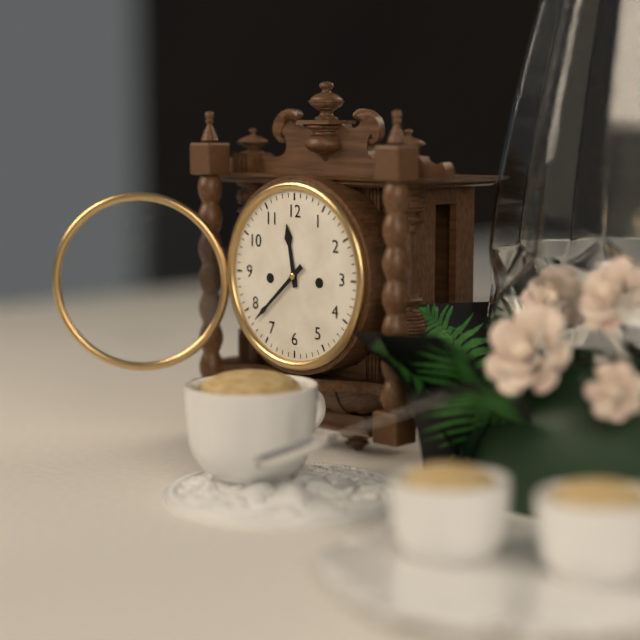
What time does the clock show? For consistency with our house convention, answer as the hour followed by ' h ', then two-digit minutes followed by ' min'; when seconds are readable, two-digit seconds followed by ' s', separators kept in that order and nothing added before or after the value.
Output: 11 h 38 min
